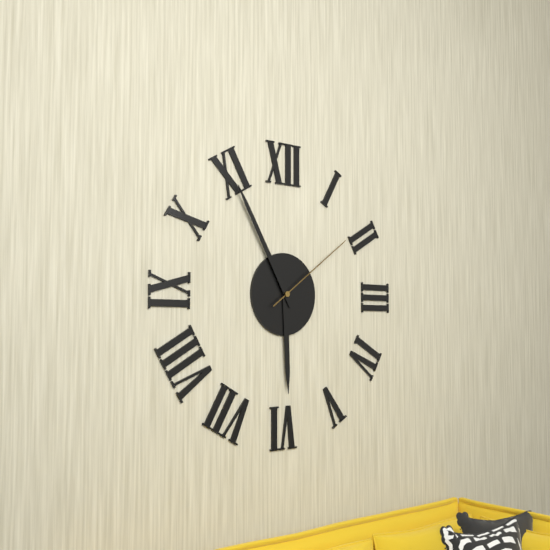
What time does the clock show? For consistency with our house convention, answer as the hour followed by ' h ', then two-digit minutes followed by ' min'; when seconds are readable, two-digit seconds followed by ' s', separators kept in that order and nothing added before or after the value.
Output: 5 h 55 min 09 s
